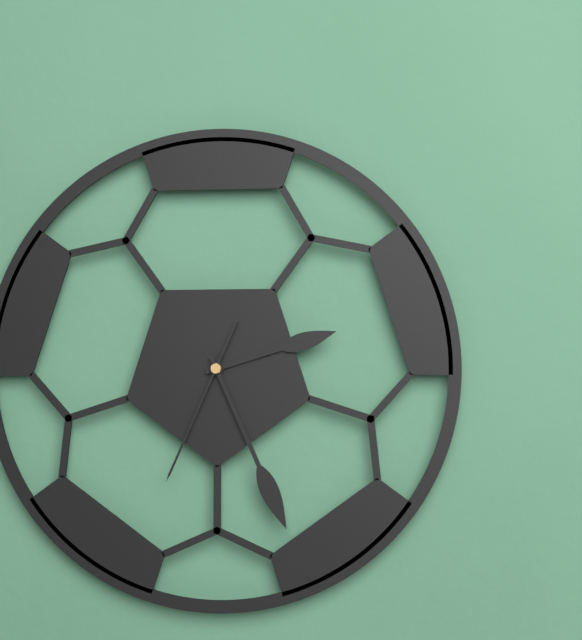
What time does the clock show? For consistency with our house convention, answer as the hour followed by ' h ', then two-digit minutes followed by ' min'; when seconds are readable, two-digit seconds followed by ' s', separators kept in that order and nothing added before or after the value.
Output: 2 h 26 min 34 s
